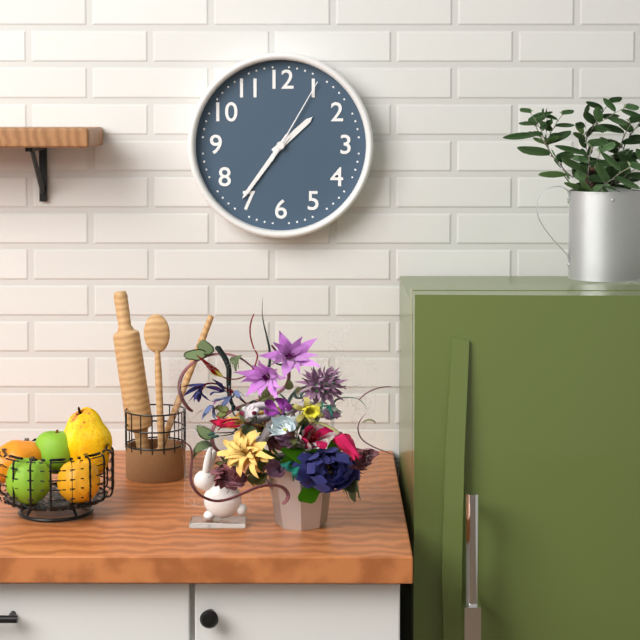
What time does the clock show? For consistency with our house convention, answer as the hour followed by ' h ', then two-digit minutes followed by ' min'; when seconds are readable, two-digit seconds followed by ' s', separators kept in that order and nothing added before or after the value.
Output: 1 h 36 min 05 s
